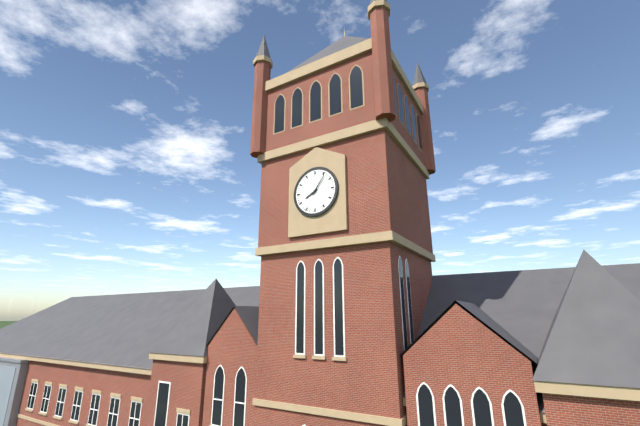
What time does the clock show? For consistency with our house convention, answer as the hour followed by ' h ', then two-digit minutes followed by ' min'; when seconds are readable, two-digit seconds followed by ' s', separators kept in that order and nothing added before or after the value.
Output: 8 h 06 min
